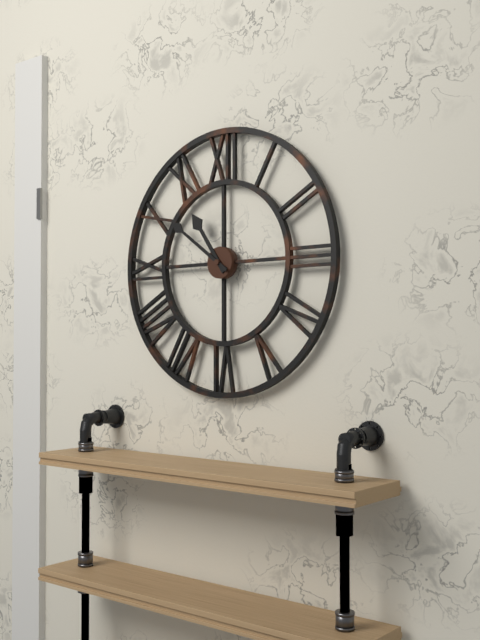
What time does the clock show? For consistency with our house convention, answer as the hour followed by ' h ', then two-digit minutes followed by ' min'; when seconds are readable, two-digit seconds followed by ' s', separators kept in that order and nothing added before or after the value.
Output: 10 h 51 min
